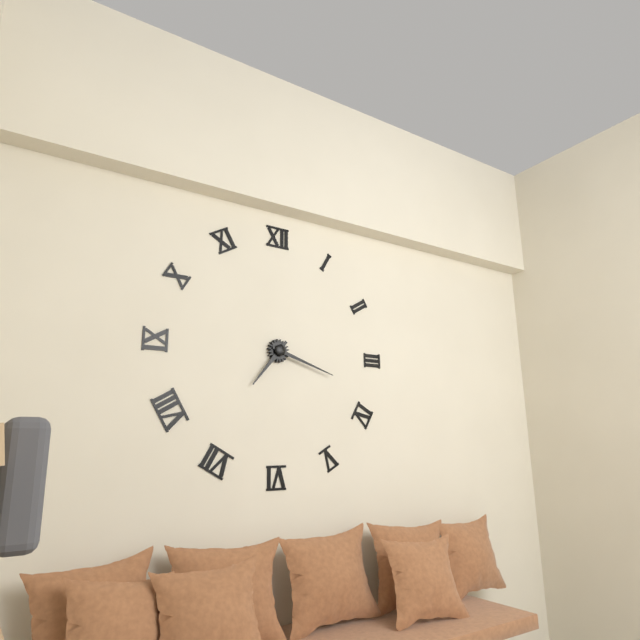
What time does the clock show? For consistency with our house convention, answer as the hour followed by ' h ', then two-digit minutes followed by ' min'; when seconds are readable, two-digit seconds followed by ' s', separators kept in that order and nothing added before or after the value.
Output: 7 h 18 min
